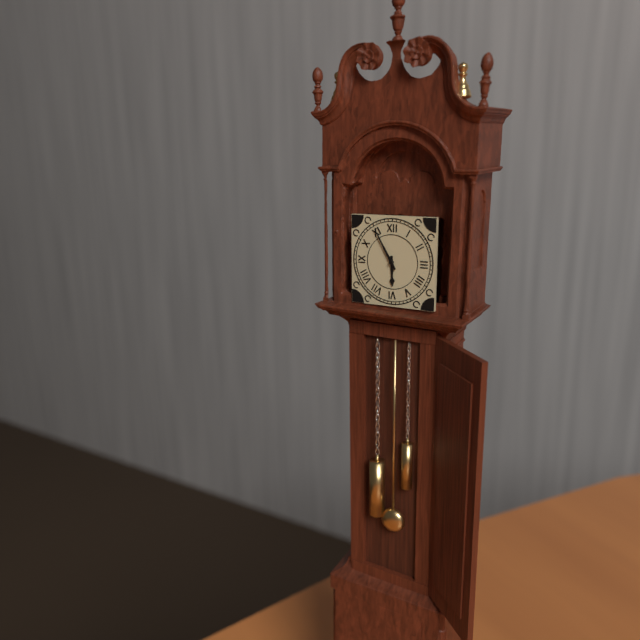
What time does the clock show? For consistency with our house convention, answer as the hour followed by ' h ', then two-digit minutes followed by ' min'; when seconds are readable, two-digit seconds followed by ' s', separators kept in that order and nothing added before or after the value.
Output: 5 h 55 min
